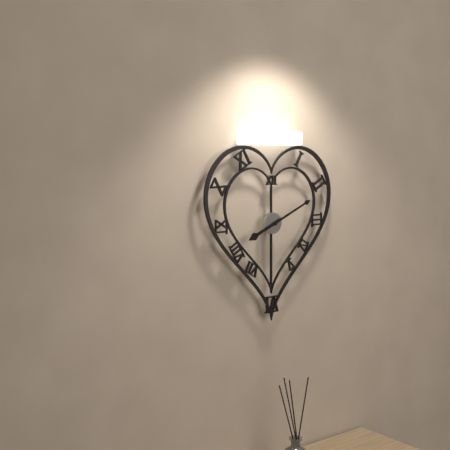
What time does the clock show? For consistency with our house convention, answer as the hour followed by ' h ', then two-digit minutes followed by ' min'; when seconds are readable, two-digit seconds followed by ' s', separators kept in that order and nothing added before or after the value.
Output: 8 h 11 min
